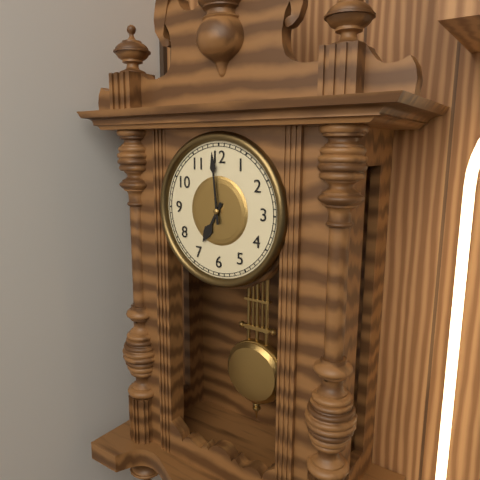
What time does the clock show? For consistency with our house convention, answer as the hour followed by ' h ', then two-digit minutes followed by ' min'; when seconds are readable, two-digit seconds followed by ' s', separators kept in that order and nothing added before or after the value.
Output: 6 h 59 min
